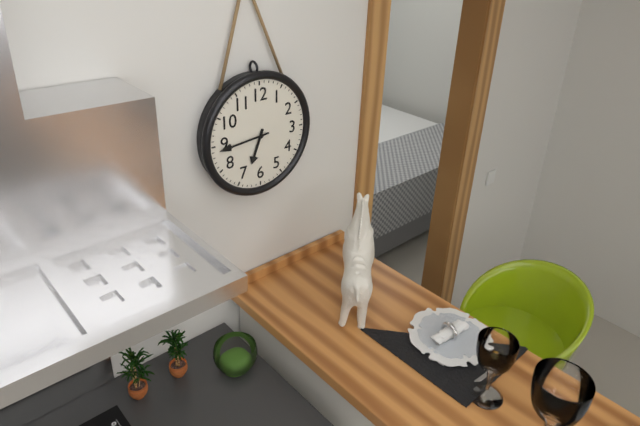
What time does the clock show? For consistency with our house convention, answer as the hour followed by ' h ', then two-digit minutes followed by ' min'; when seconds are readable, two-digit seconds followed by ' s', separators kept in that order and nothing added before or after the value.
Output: 6 h 44 min
